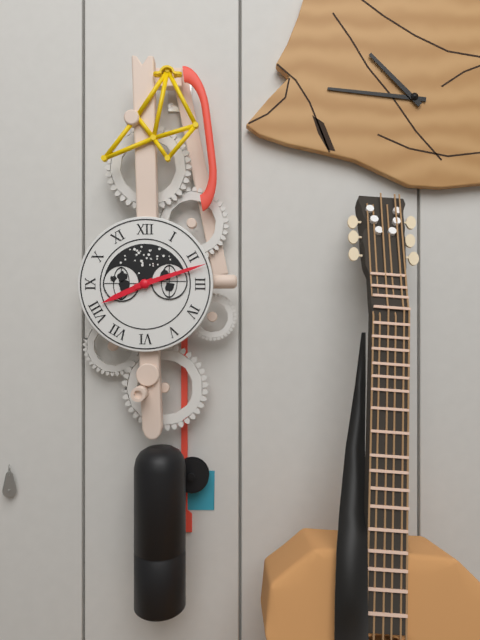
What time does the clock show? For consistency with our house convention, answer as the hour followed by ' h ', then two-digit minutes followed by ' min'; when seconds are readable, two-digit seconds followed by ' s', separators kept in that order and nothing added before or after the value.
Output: 8 h 12 min
